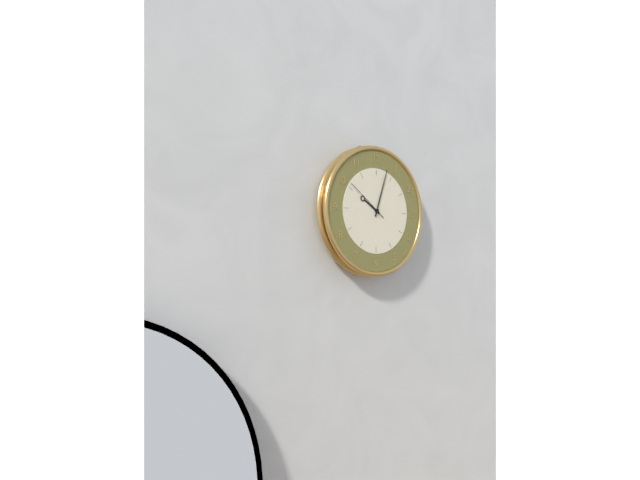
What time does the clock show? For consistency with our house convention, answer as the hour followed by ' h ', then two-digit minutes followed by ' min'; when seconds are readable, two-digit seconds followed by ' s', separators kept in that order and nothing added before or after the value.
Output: 10 h 03 min
